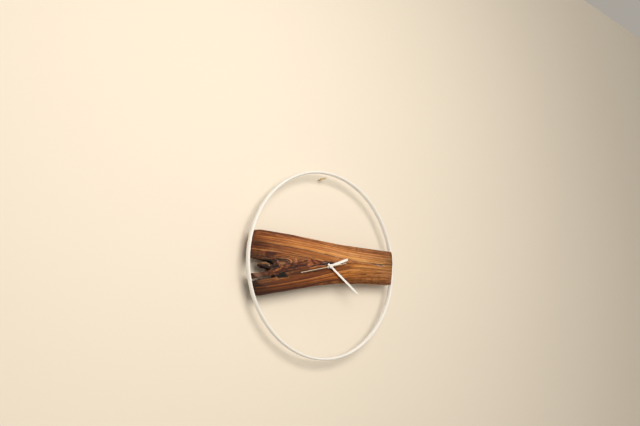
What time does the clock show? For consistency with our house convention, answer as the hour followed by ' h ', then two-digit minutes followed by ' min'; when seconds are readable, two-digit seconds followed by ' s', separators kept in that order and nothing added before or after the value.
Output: 2 h 21 min
